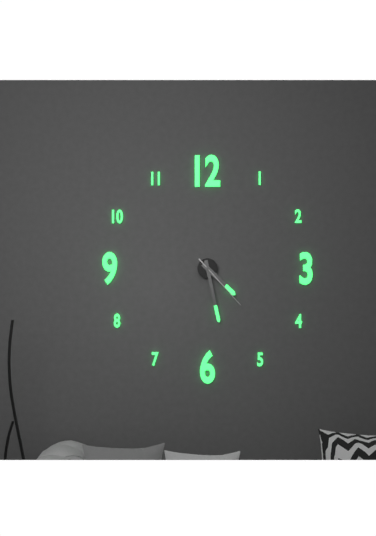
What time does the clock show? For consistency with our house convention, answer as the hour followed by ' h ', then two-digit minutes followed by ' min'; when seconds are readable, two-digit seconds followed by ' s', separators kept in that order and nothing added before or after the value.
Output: 4 h 28 min 23 s
